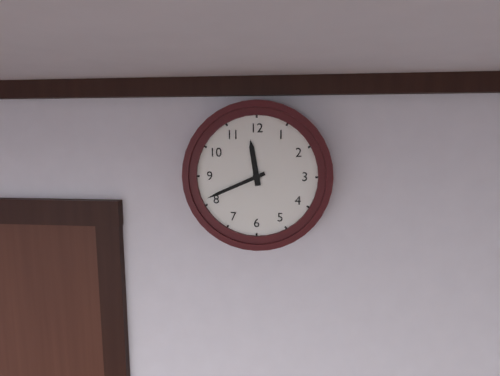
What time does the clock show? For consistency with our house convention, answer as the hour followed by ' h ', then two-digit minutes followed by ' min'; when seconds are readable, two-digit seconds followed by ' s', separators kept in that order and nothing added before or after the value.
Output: 11 h 41 min
